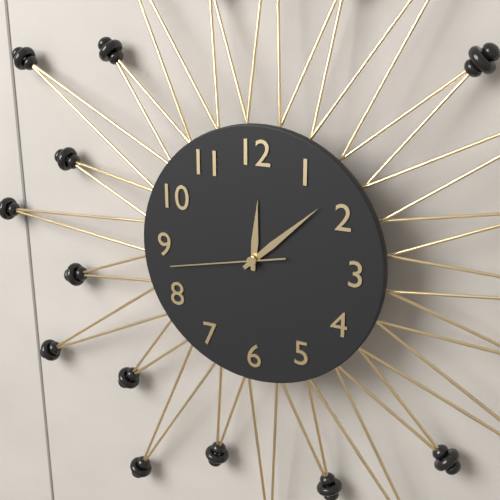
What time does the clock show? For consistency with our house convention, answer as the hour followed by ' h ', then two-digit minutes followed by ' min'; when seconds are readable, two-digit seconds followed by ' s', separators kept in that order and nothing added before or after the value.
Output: 12 h 08 min 43 s
